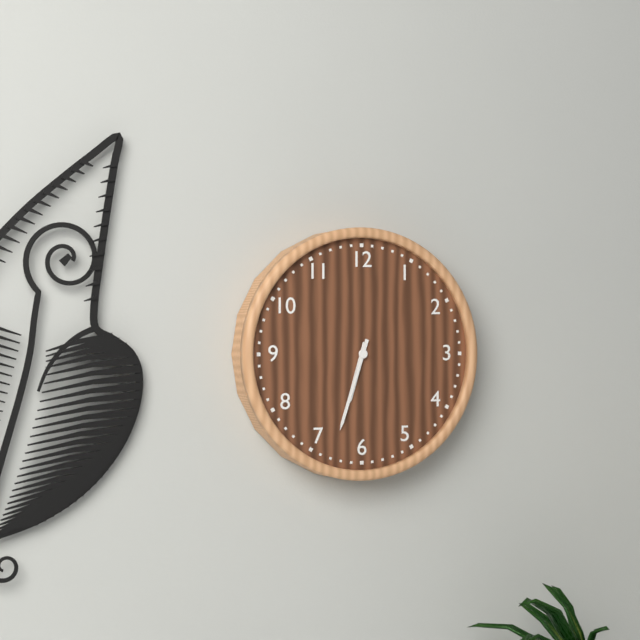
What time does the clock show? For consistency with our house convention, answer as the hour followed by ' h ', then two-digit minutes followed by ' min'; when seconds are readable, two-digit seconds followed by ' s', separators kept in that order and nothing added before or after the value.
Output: 6 h 33 min
